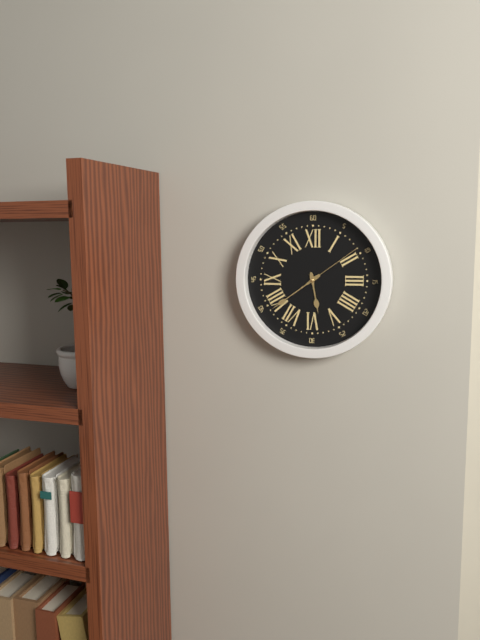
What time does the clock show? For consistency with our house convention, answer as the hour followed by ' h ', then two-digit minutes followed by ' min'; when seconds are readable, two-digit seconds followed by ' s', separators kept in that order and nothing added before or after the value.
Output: 5 h 39 min 09 s
